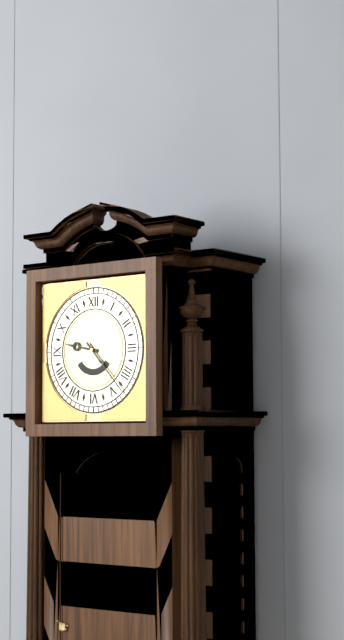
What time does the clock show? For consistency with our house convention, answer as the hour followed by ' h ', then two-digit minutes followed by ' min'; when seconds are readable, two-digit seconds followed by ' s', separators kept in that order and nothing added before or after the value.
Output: 9 h 23 min
